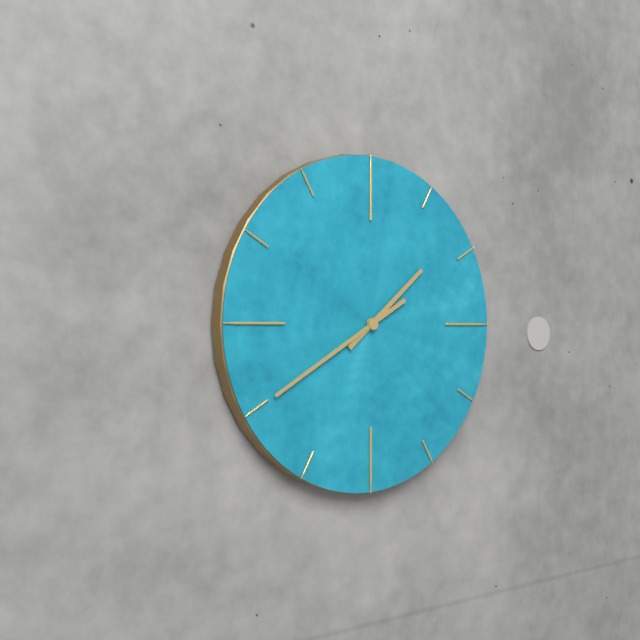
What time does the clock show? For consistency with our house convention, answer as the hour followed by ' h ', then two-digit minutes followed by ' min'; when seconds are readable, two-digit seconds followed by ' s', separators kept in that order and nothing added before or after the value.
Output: 1 h 40 min
